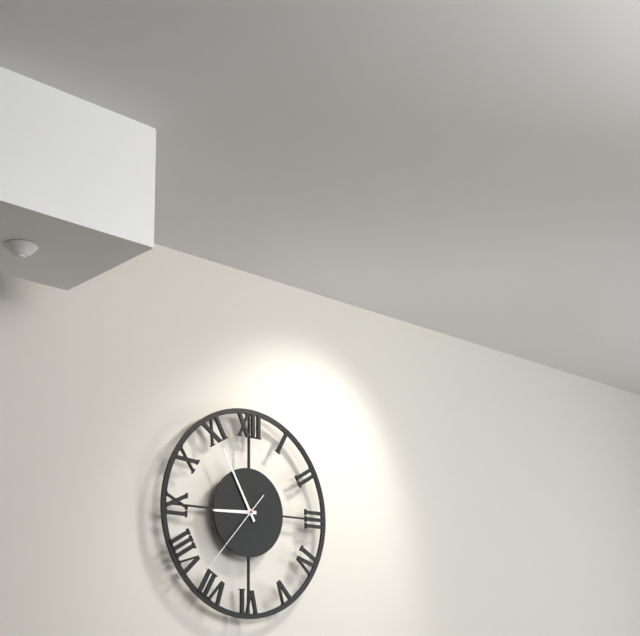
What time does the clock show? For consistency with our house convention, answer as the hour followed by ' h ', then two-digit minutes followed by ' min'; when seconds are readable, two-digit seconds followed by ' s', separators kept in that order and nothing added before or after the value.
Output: 8 h 55 min 37 s
